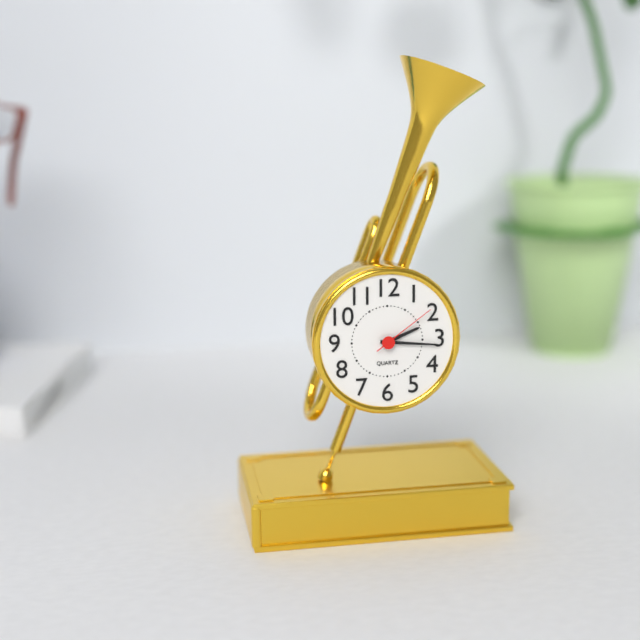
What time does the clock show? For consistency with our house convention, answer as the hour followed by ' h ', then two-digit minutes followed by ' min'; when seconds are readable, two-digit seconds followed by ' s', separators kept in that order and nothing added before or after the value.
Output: 2 h 16 min 09 s
